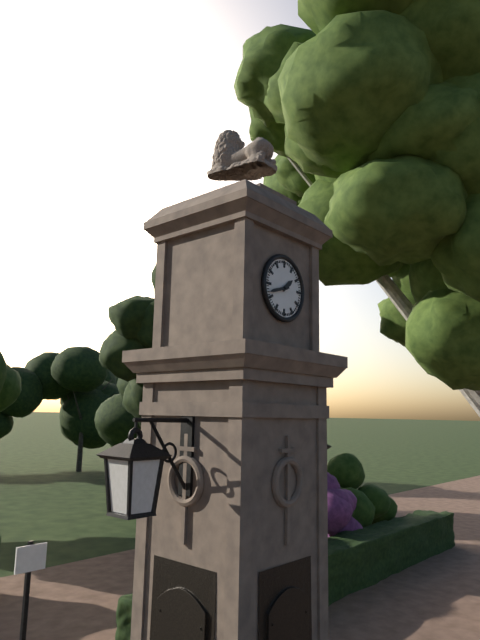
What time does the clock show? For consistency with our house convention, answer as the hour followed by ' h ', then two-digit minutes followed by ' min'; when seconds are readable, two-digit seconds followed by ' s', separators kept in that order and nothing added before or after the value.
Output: 1 h 42 min
